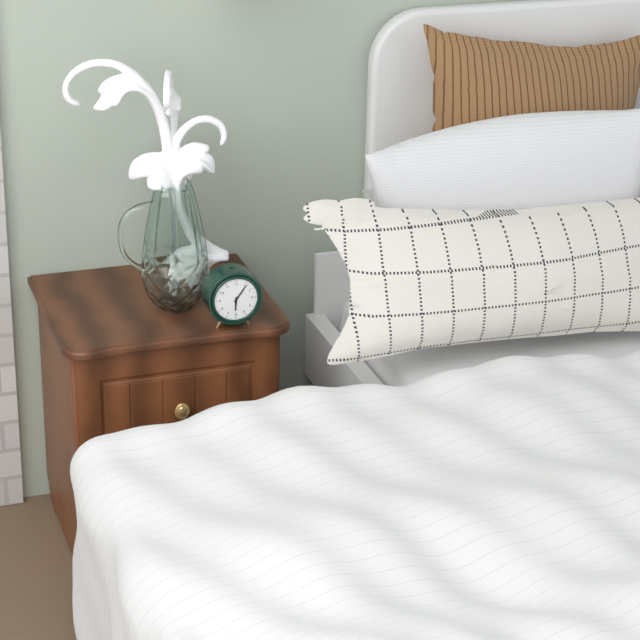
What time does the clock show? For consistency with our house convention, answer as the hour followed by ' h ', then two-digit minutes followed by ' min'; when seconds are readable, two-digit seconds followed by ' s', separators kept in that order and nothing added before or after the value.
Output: 6 h 06 min
